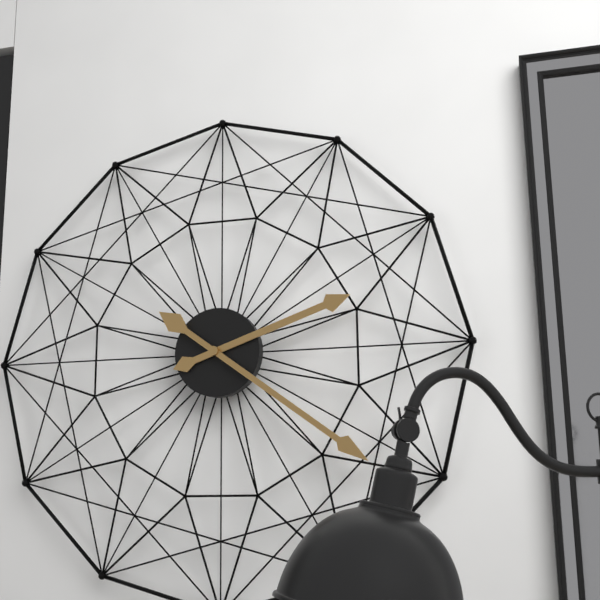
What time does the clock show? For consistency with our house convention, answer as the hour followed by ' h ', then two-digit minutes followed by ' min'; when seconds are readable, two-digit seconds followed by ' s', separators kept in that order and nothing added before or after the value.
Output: 2 h 21 min
